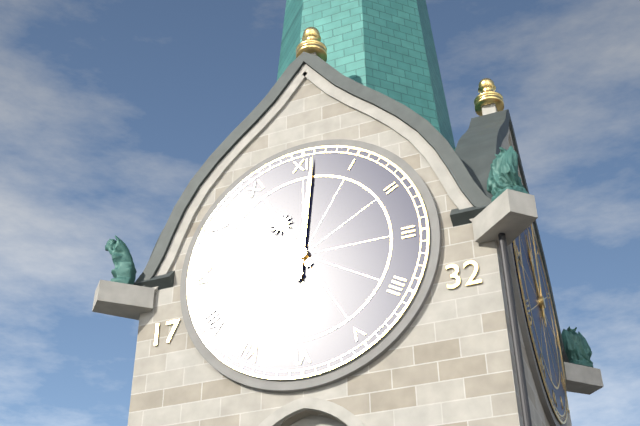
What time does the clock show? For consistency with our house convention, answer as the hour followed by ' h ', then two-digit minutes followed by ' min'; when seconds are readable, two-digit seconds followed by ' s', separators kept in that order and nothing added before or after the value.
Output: 11 h 01 min
